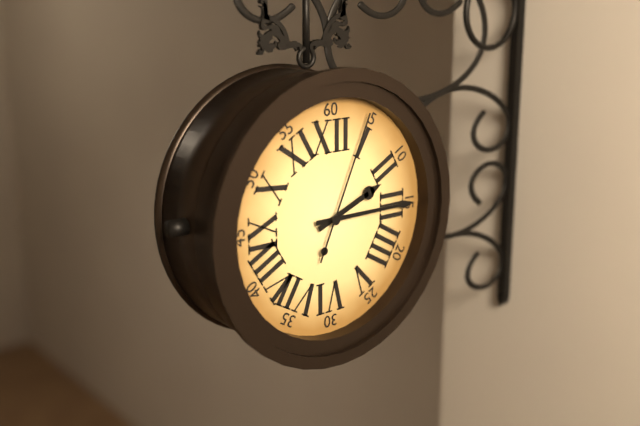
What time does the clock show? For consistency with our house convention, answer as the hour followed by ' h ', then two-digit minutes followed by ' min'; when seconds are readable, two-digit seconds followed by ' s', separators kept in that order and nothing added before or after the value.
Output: 2 h 15 min 04 s
